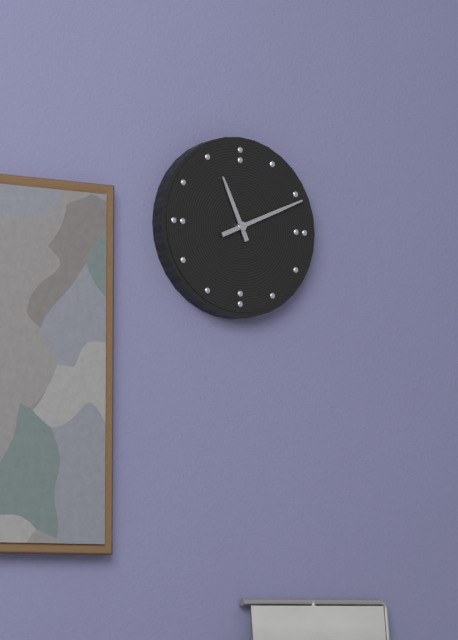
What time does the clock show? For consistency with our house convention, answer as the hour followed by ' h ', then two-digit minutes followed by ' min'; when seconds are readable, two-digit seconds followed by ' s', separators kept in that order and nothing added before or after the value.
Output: 11 h 11 min
